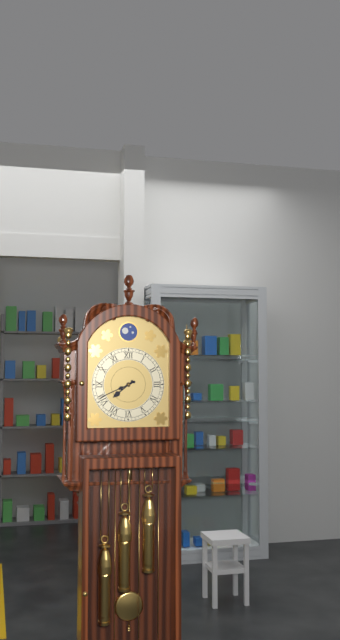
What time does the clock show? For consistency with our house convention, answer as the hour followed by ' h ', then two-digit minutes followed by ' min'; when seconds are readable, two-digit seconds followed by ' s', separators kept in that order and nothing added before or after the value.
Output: 7 h 41 min
